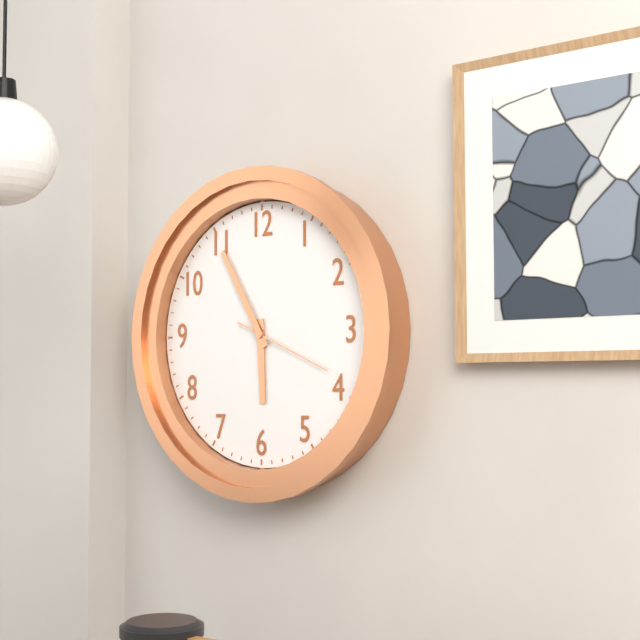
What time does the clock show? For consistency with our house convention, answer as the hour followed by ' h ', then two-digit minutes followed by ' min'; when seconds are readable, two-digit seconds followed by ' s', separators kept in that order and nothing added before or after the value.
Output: 5 h 55 min 19 s
